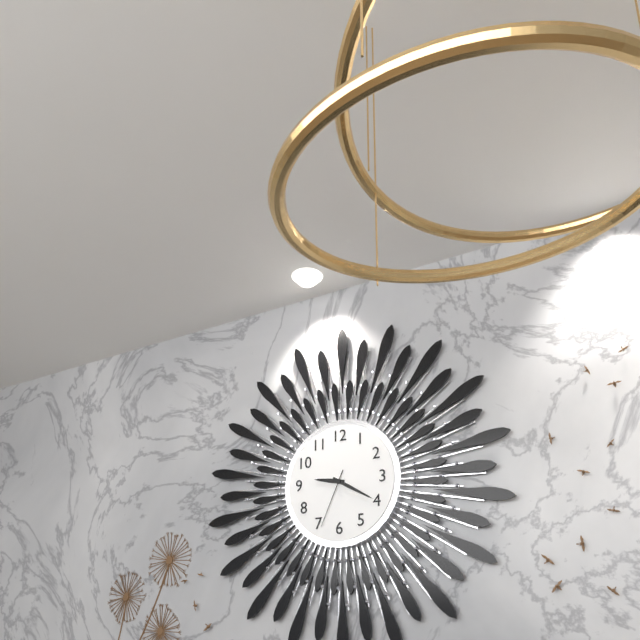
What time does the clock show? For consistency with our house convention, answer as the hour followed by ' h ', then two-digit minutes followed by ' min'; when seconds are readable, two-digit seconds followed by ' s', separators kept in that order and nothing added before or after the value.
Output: 9 h 20 min 34 s
